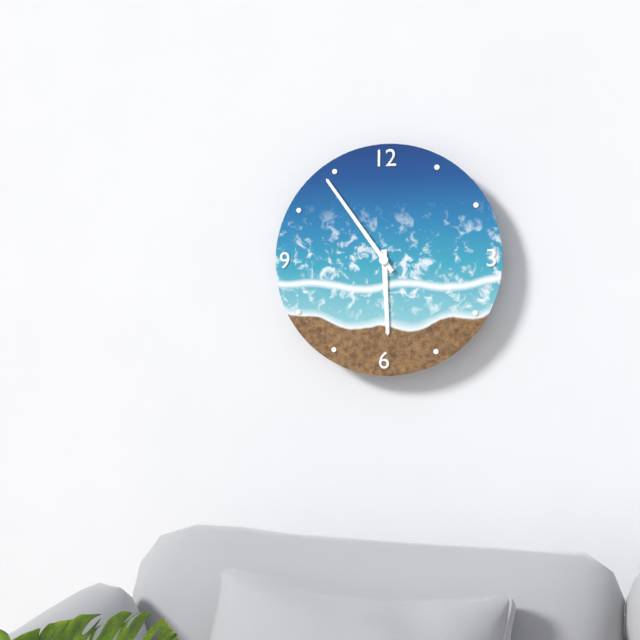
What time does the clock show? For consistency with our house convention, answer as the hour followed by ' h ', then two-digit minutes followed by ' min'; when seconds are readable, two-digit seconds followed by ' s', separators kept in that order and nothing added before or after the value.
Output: 5 h 54 min
